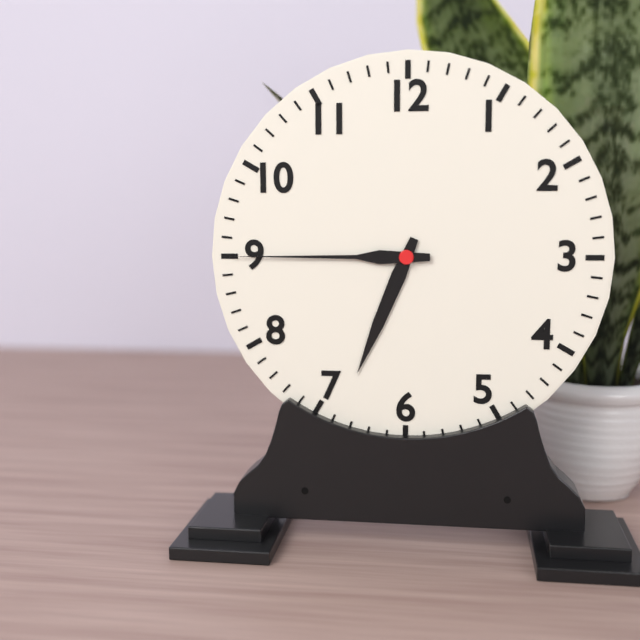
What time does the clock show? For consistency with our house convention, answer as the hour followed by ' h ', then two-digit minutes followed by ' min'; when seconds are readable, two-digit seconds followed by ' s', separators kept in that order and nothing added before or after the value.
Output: 6 h 45 min
